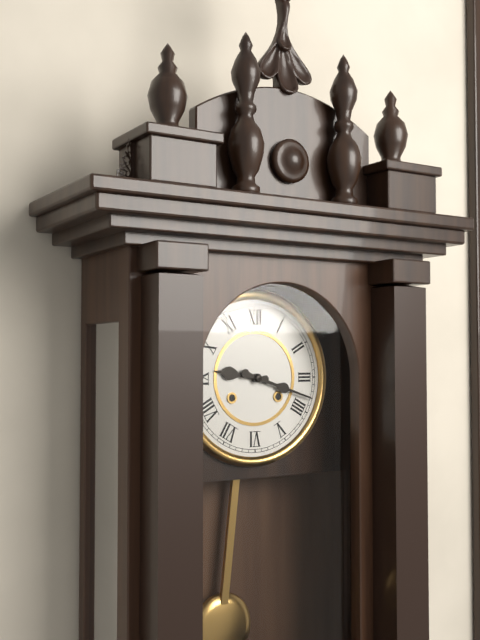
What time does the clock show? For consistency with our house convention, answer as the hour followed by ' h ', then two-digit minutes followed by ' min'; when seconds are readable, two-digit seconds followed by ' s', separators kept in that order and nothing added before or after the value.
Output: 9 h 18 min
